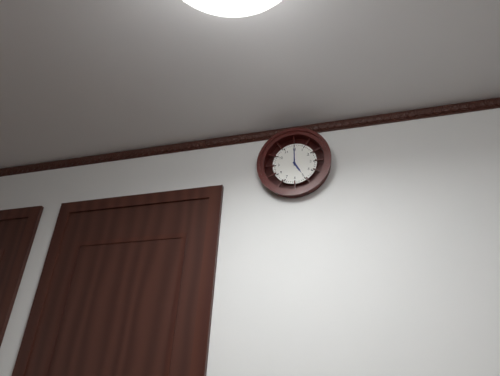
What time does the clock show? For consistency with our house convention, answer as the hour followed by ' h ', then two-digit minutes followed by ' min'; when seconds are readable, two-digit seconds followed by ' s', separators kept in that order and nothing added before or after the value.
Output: 5 h 00 min
